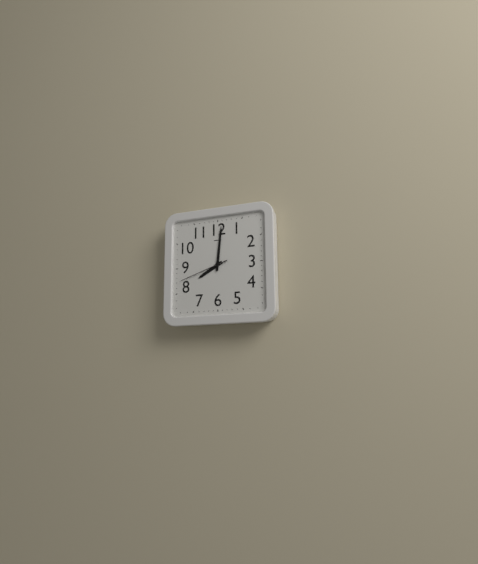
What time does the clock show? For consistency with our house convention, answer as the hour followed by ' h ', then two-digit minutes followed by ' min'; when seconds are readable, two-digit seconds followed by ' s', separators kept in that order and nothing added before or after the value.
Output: 8 h 01 min 42 s
